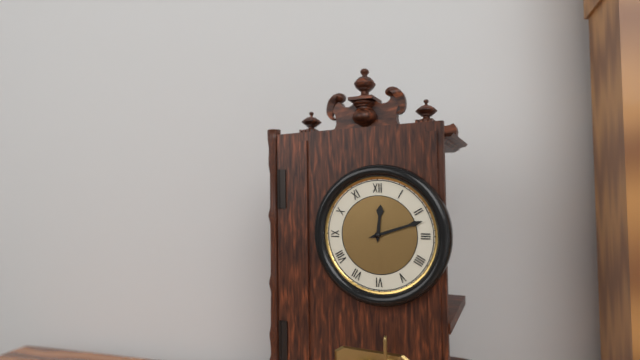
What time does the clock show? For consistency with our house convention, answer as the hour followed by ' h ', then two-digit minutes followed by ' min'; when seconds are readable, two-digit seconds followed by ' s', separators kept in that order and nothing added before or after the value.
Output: 12 h 12 min
